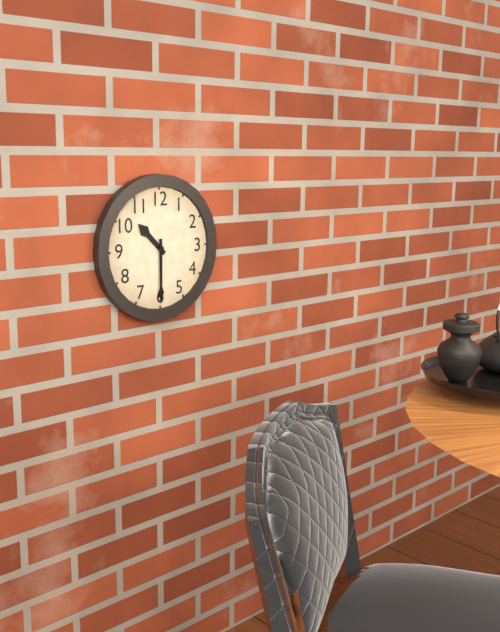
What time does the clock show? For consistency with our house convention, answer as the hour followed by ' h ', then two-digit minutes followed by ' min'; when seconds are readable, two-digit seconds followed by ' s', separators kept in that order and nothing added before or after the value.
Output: 10 h 30 min
